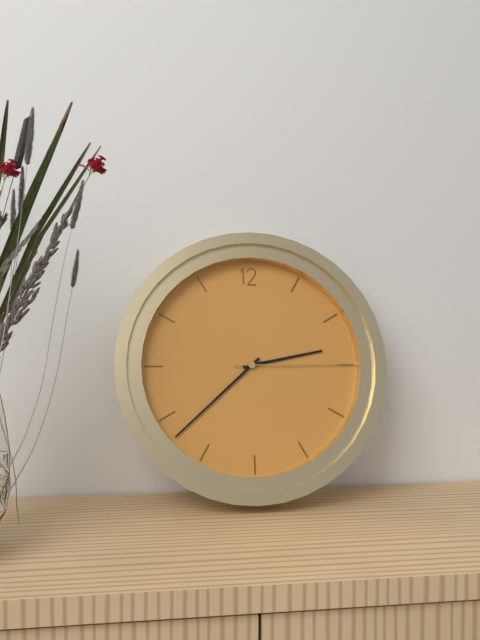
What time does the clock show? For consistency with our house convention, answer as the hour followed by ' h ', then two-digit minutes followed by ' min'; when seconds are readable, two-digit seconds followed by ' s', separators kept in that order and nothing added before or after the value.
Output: 2 h 38 min 15 s
